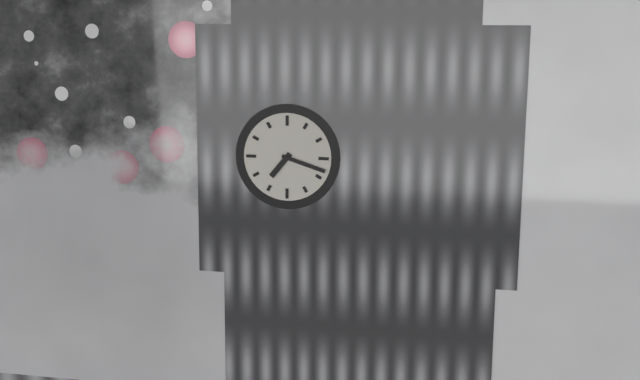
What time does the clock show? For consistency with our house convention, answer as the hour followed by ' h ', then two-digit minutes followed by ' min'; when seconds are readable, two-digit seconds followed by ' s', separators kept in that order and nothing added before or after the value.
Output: 7 h 18 min
